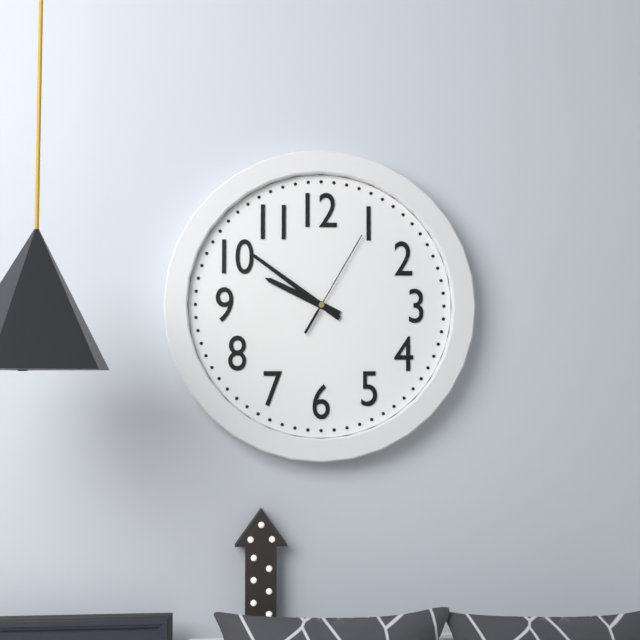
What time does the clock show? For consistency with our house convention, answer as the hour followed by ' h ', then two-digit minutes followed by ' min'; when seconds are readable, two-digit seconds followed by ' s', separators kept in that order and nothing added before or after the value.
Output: 9 h 51 min 05 s
